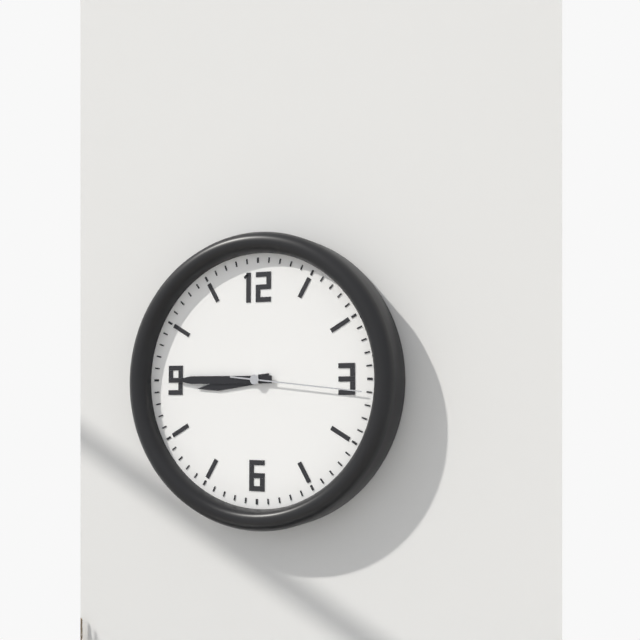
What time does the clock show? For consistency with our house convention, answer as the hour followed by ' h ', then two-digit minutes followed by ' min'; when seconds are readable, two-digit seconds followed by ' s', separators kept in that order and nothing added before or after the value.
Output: 8 h 45 min 16 s
